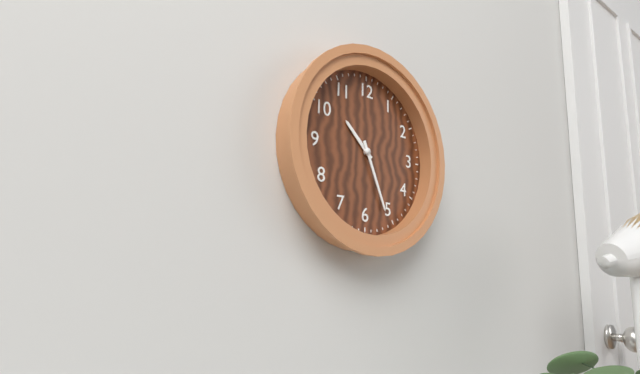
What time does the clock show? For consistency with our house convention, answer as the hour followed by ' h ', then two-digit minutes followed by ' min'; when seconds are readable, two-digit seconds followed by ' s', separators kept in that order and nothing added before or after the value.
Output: 10 h 26 min
